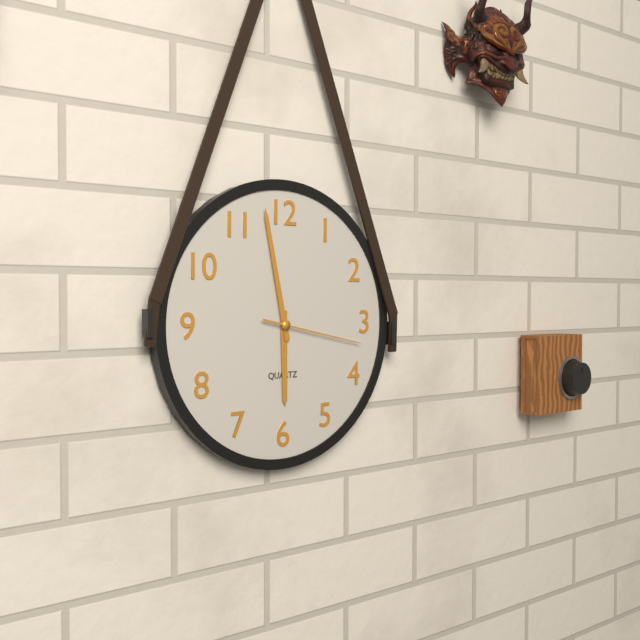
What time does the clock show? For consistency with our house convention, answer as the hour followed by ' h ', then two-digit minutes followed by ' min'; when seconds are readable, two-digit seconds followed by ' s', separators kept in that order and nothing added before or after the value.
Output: 5 h 58 min 17 s
